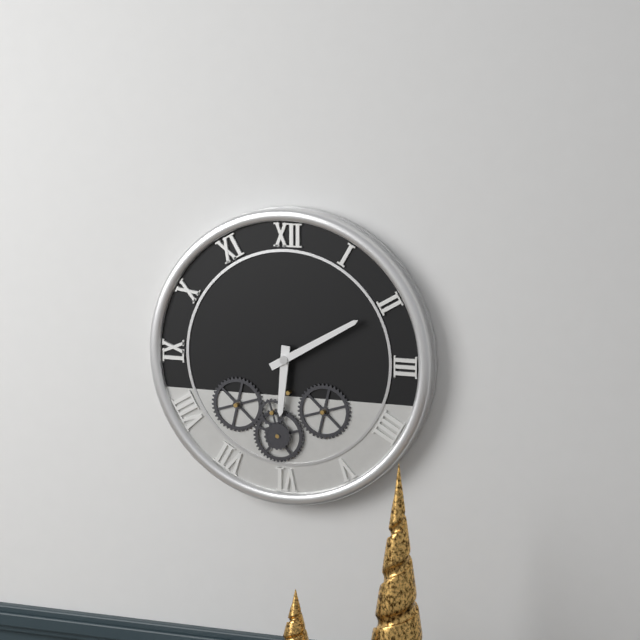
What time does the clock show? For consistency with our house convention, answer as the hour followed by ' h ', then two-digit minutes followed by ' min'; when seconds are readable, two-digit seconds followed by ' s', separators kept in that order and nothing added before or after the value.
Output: 6 h 10 min
